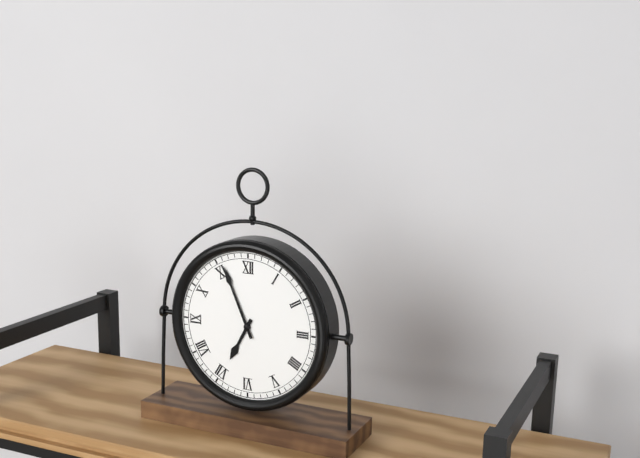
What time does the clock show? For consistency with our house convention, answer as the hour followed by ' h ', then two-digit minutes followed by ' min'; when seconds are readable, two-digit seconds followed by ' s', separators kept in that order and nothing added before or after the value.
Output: 6 h 56 min
